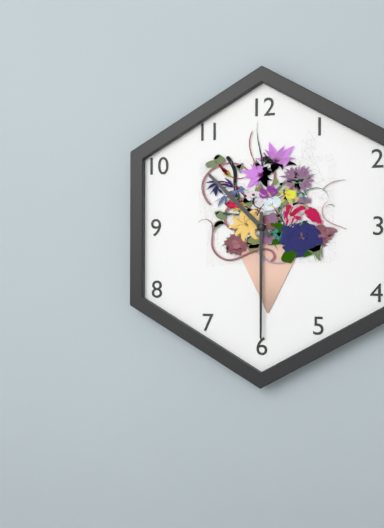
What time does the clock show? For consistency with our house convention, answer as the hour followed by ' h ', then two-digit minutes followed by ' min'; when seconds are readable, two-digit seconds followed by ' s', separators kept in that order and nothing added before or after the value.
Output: 10 h 30 min
